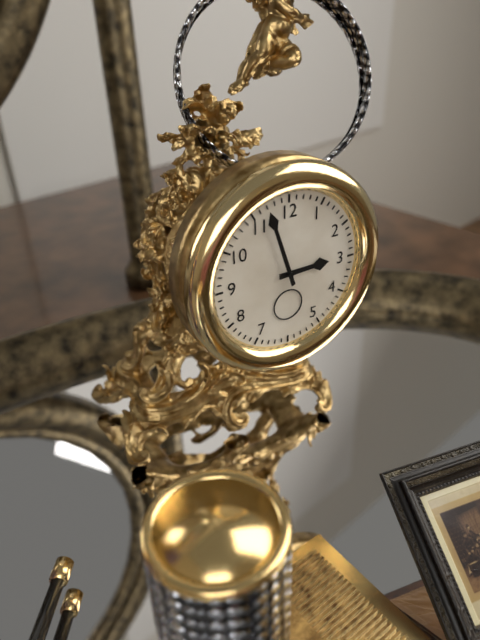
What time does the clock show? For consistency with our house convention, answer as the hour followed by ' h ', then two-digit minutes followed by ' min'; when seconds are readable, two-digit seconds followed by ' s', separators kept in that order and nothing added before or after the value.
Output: 2 h 57 min
